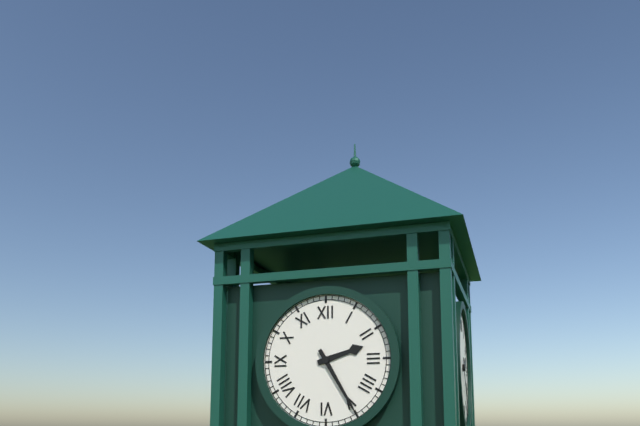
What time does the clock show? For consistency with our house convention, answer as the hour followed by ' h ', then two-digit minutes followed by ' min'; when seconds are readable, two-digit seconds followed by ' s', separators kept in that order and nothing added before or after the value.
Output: 2 h 25 min
